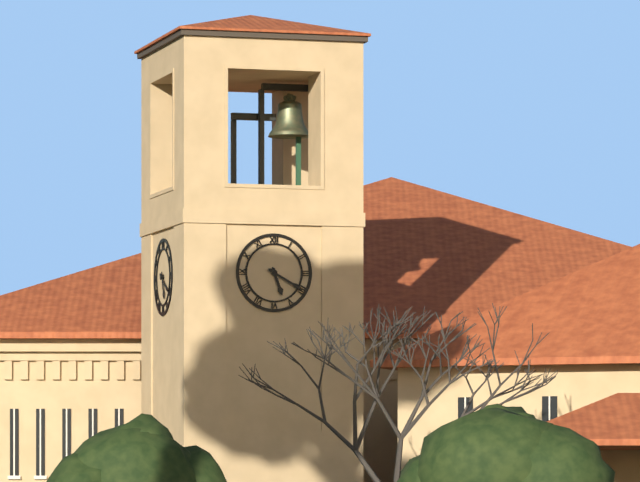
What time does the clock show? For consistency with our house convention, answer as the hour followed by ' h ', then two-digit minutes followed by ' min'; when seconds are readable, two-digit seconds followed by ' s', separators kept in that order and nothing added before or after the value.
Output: 5 h 20 min
